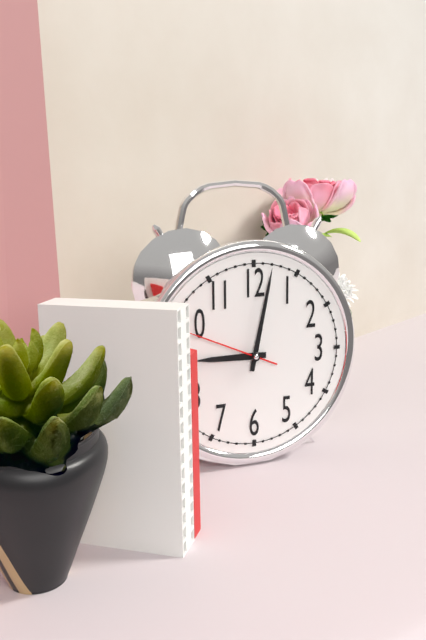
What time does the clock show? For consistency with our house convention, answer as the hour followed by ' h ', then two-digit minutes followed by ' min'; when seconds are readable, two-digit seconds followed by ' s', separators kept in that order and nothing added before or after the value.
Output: 9 h 02 min 49 s
